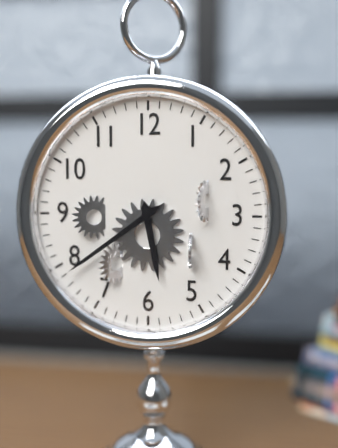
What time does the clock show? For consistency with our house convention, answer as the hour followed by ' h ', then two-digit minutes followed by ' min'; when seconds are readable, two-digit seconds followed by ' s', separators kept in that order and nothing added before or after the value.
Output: 5 h 39 min
